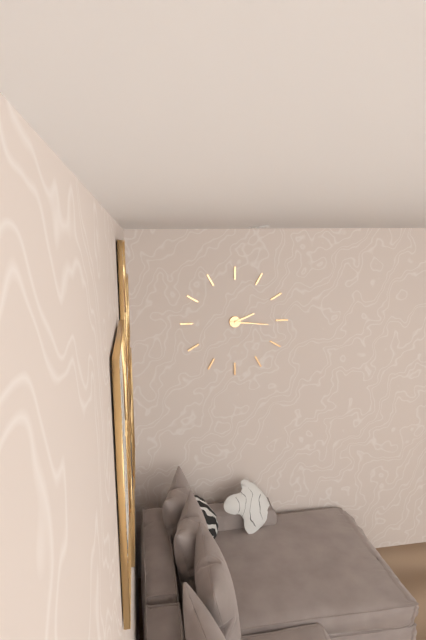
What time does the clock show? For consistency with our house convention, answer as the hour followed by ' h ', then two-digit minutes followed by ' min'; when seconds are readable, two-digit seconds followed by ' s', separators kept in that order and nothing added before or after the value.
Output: 2 h 16 min
